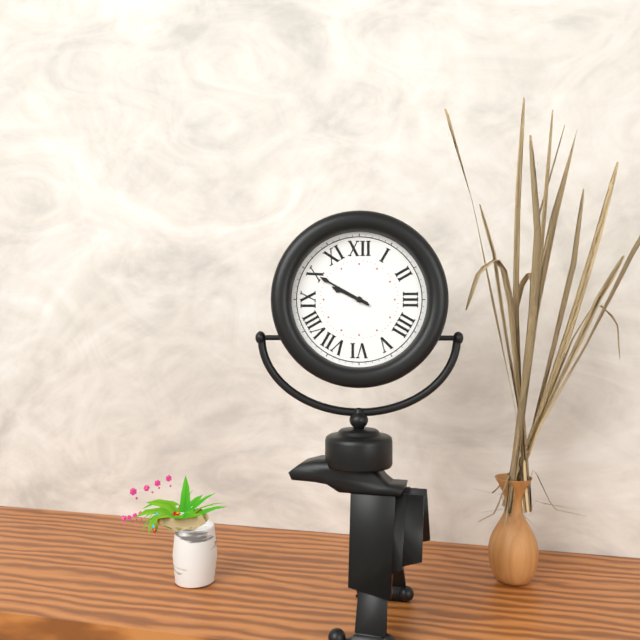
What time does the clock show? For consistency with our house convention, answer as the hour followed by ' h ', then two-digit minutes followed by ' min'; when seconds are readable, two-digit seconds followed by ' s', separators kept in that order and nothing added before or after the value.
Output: 9 h 50 min
